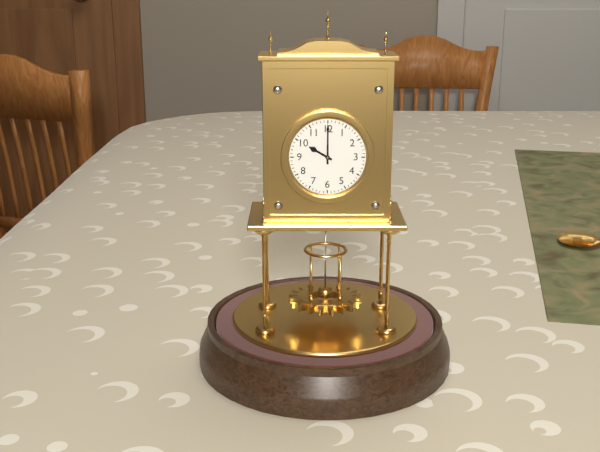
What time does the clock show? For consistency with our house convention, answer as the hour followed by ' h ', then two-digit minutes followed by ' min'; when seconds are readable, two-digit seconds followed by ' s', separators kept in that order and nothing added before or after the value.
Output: 10 h 00 min
